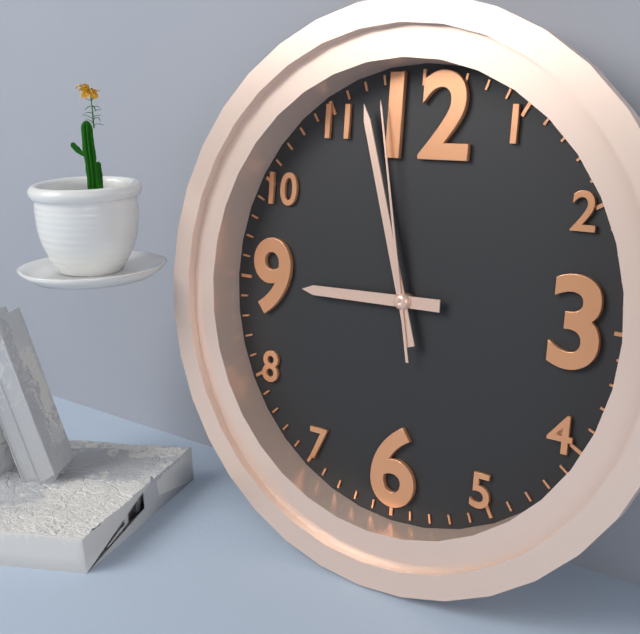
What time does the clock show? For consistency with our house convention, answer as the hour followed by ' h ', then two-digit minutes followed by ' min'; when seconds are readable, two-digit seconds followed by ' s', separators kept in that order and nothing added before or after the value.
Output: 8 h 57 min 58 s
